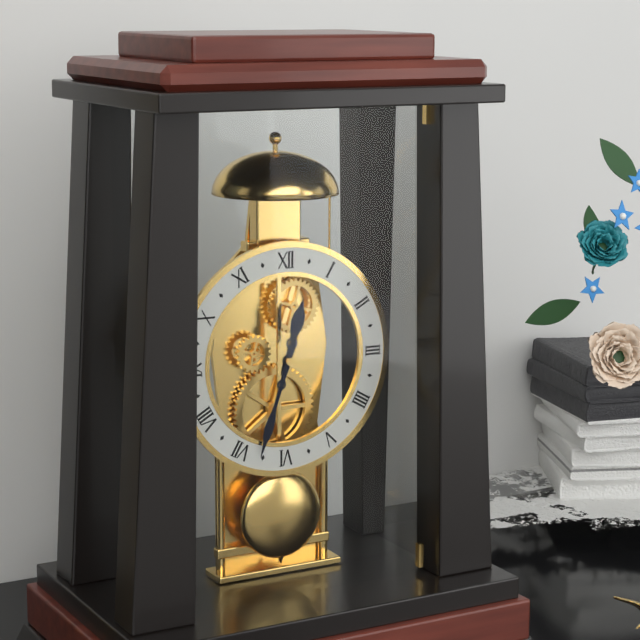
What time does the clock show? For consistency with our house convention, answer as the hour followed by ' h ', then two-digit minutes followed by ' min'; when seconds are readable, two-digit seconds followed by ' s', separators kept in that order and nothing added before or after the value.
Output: 12 h 33 min
